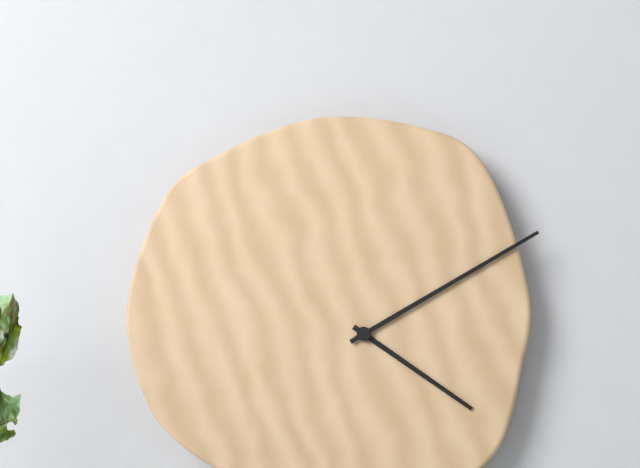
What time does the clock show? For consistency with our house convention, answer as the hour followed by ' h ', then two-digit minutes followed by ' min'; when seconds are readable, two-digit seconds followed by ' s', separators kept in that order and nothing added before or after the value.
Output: 4 h 10 min
